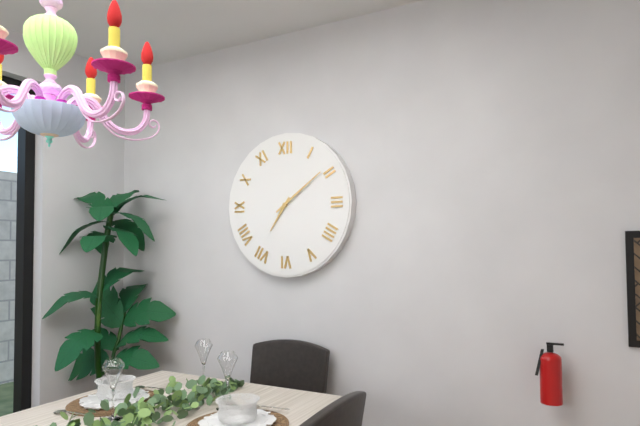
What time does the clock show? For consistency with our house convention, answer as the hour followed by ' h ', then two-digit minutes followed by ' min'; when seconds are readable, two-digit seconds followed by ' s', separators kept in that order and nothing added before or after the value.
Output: 7 h 09 min
